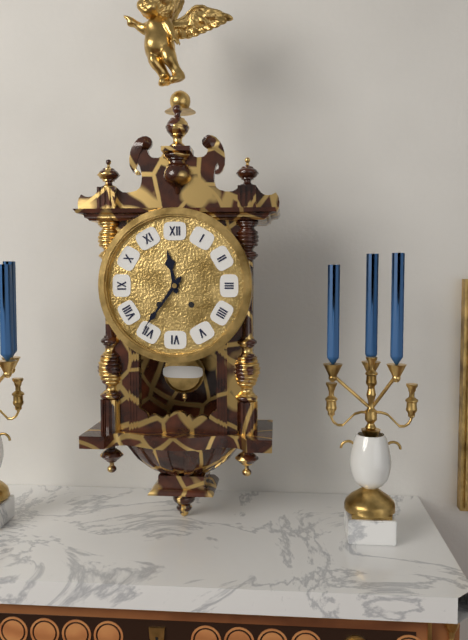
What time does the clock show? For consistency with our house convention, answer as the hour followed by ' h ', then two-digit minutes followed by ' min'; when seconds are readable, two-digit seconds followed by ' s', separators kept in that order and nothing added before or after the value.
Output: 11 h 36 min
